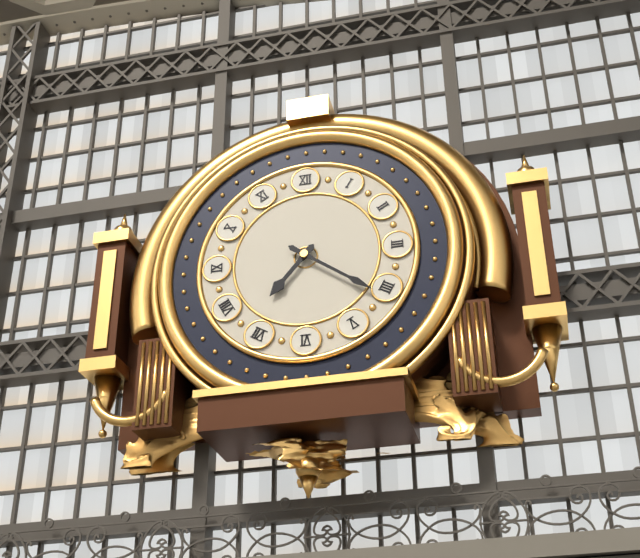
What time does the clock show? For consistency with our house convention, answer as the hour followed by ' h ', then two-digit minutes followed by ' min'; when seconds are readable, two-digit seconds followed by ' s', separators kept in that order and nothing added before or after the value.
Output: 7 h 21 min
